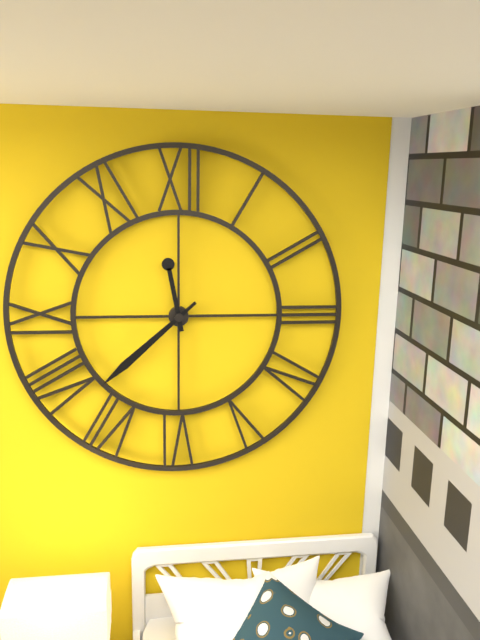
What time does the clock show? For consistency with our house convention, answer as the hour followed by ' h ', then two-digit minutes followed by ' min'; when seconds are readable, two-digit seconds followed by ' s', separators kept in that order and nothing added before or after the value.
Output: 11 h 38 min
